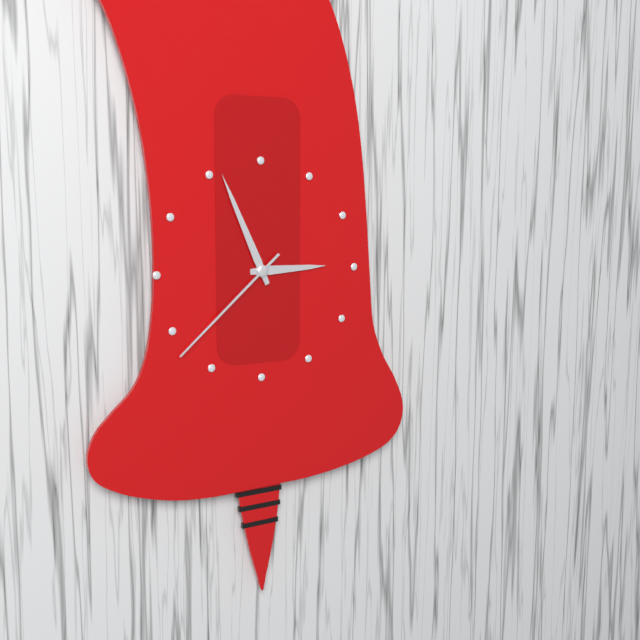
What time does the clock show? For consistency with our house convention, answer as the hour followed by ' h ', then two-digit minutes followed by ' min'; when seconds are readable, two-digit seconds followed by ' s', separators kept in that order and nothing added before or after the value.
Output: 2 h 56 min 38 s
